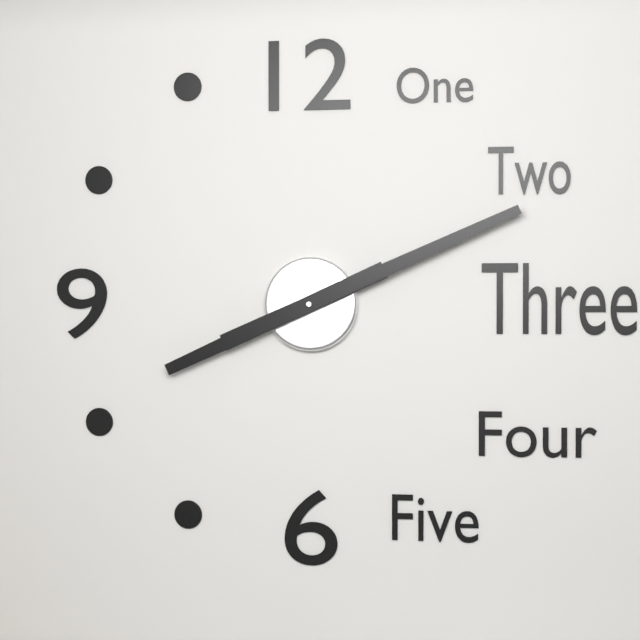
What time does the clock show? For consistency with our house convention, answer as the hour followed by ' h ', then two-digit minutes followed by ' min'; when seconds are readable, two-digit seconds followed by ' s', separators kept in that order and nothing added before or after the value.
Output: 8 h 11 min
